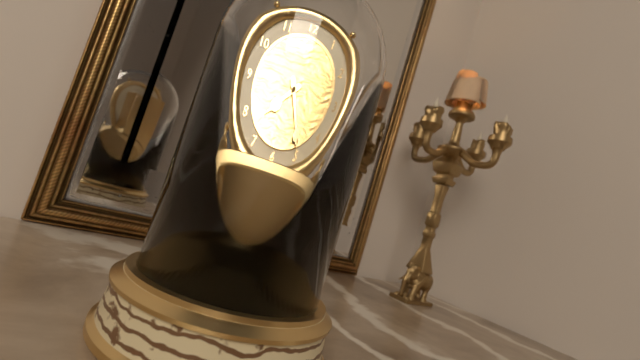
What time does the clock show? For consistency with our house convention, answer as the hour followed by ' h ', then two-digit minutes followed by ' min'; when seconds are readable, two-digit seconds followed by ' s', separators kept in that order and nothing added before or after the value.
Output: 7 h 25 min
